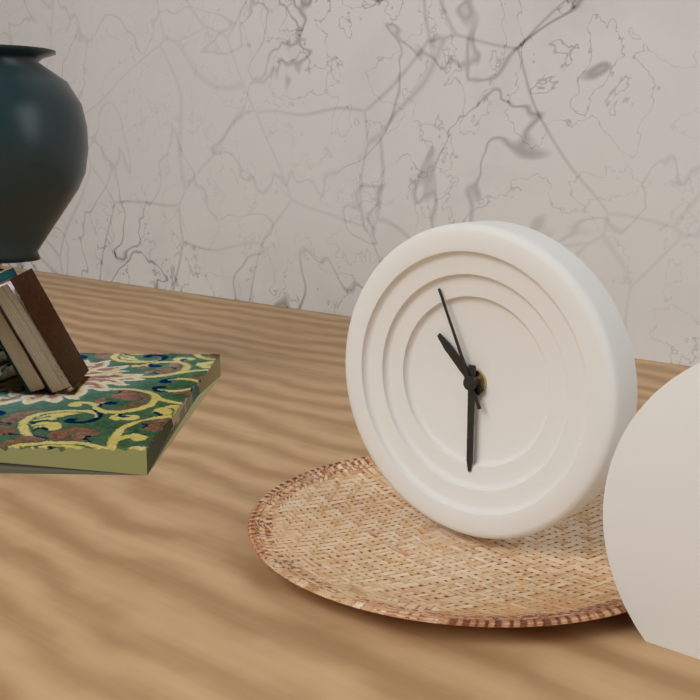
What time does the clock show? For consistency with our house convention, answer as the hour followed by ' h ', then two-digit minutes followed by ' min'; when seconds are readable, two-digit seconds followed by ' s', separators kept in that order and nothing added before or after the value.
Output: 10 h 30 min 56 s
